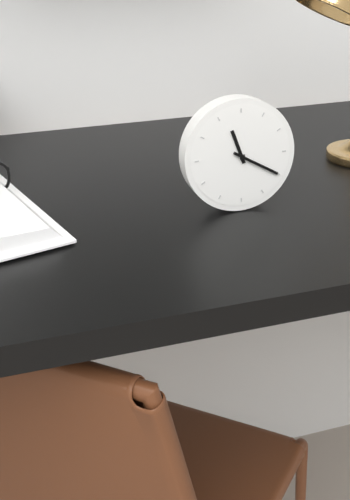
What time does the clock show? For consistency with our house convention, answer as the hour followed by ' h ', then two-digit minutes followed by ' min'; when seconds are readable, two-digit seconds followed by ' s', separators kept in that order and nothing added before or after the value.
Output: 11 h 20 min
